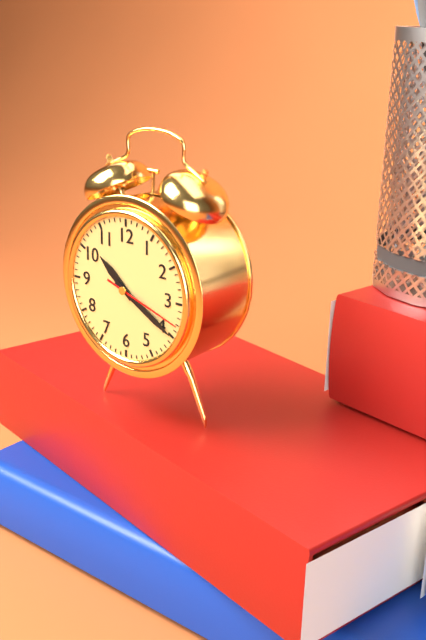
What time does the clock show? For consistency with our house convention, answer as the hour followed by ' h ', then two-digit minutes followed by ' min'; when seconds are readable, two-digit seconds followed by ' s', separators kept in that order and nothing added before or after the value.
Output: 10 h 20 min 18 s
